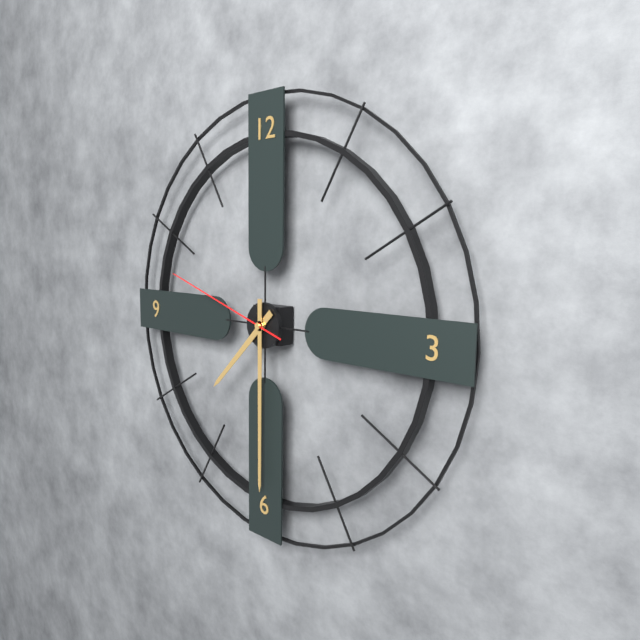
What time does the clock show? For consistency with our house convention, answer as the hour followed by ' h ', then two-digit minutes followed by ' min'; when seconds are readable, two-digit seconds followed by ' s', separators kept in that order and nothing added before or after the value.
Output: 7 h 30 min 48 s
